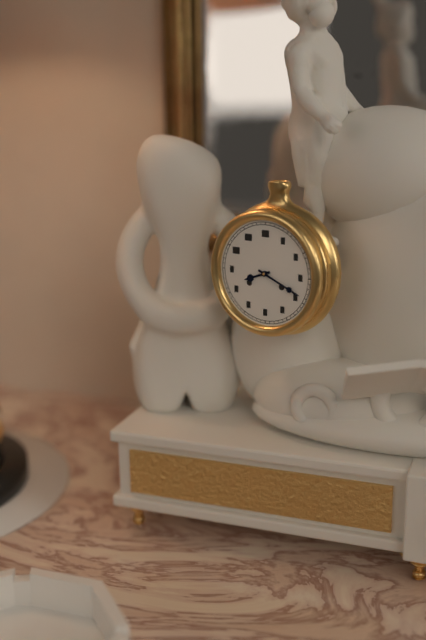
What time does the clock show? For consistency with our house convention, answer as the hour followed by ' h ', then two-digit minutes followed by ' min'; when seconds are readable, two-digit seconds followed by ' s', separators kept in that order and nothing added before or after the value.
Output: 8 h 19 min
